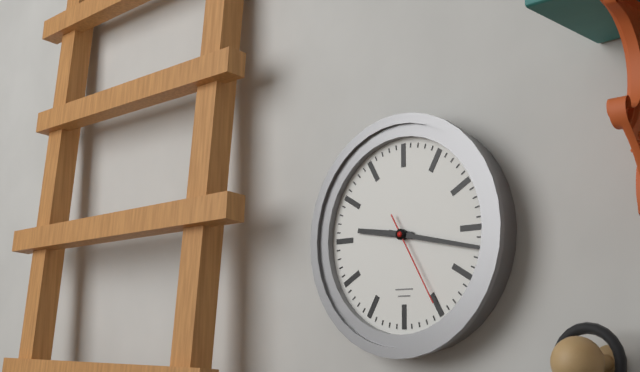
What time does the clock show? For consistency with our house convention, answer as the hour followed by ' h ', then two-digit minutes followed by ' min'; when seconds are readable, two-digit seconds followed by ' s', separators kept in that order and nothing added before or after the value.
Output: 9 h 17 min 25 s
